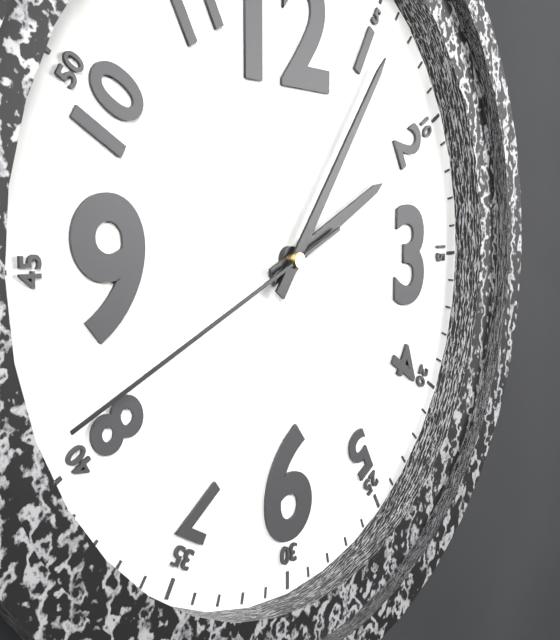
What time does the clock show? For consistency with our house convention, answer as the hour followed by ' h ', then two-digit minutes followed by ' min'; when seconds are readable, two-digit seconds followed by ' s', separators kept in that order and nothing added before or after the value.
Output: 2 h 06 min 41 s
